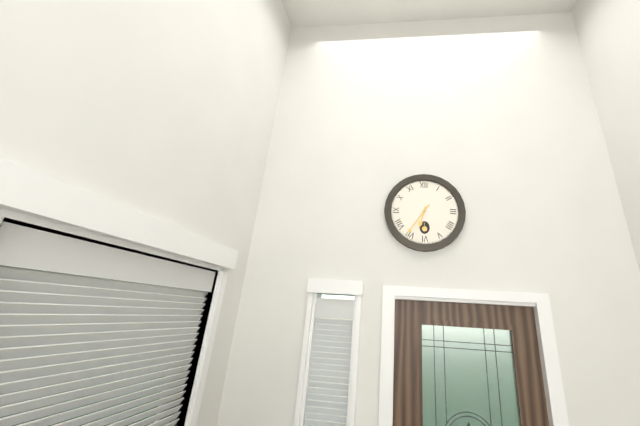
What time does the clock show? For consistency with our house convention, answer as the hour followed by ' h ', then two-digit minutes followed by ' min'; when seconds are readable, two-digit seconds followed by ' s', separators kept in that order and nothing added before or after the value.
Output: 6 h 36 min
